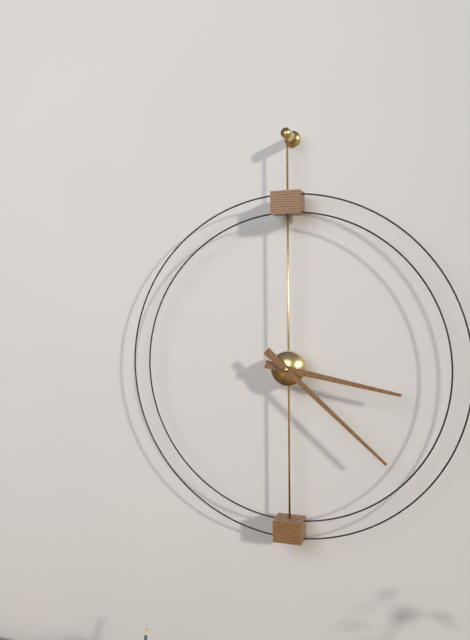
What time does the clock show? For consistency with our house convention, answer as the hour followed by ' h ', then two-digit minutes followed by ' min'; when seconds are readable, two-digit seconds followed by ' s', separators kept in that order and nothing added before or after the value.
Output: 3 h 22 min
